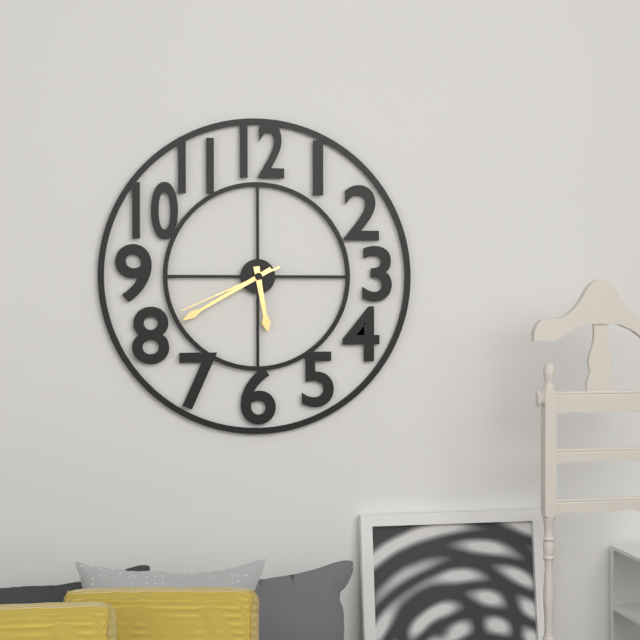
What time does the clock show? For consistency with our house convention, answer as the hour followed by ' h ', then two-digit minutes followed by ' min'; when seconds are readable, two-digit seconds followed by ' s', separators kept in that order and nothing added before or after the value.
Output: 5 h 40 min 41 s
